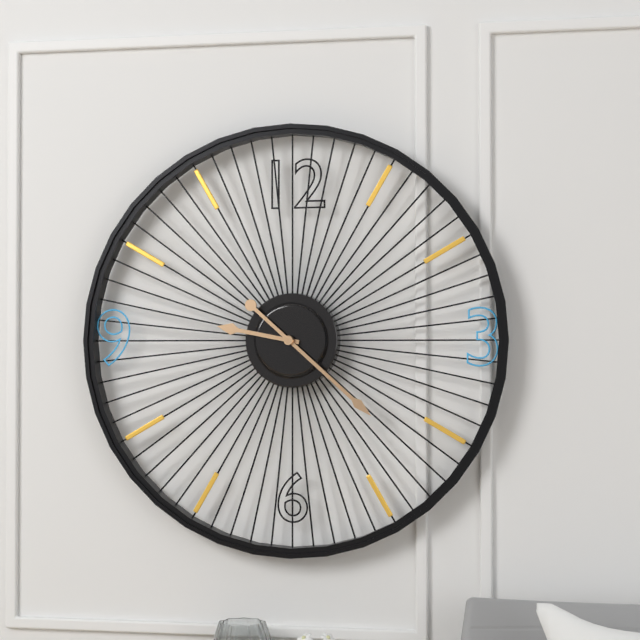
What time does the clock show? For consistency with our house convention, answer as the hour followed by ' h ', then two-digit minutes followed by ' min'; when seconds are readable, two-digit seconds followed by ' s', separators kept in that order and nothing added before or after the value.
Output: 9 h 22 min
